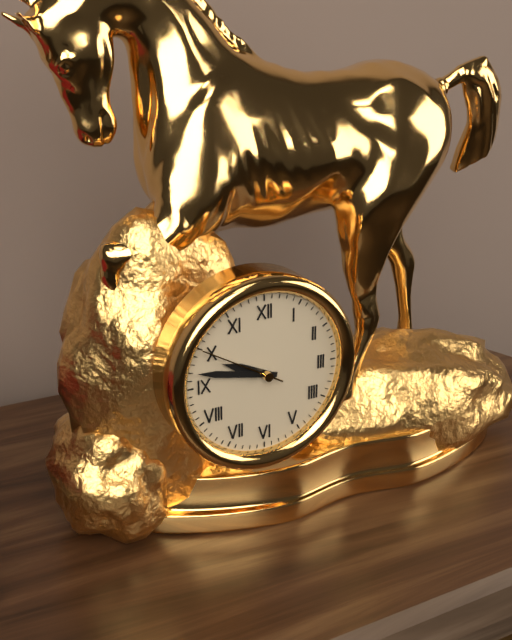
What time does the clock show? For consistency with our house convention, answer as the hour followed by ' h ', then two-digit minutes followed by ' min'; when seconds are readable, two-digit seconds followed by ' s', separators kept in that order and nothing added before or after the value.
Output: 9 h 47 min 50 s
